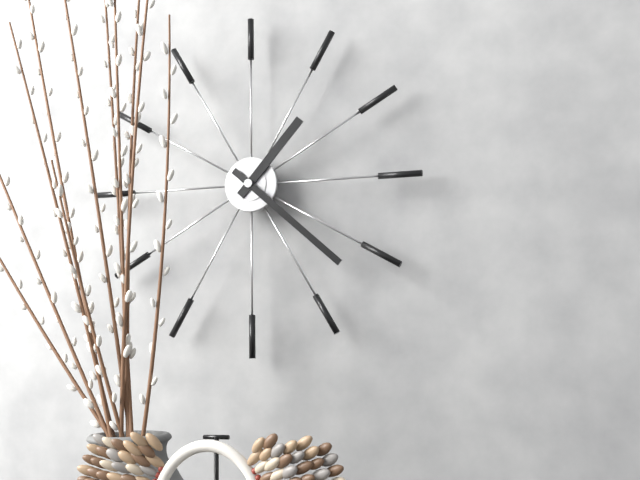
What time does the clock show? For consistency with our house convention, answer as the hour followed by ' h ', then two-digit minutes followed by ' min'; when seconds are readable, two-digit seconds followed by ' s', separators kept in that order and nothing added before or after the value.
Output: 1 h 22 min
